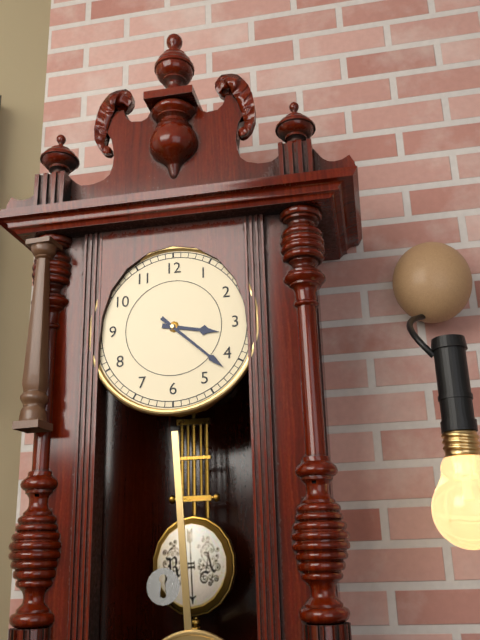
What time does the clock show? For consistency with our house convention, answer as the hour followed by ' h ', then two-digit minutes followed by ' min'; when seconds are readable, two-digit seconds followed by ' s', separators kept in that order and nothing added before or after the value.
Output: 3 h 22 min
